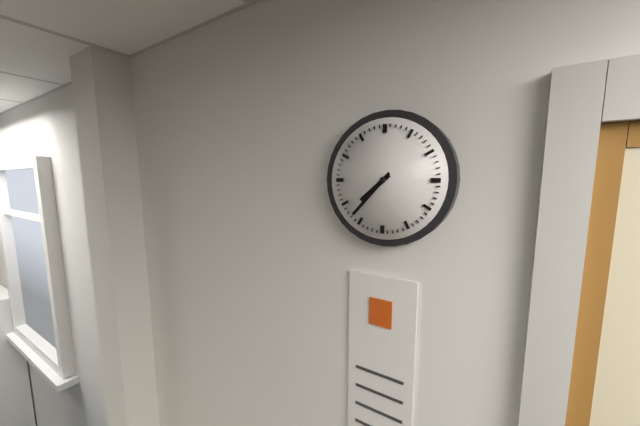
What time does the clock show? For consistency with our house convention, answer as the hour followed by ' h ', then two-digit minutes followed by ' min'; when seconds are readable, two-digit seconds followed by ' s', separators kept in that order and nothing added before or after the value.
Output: 7 h 37 min
